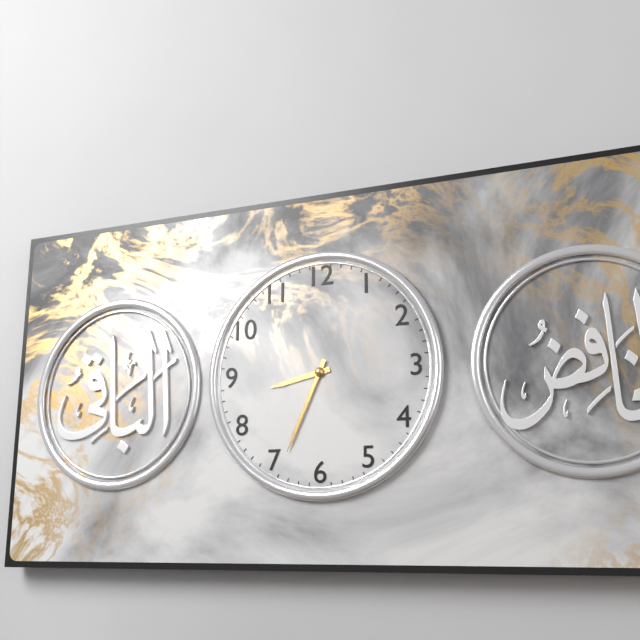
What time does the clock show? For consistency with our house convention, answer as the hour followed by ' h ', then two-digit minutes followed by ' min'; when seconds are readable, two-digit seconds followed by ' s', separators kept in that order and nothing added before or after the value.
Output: 8 h 34 min
